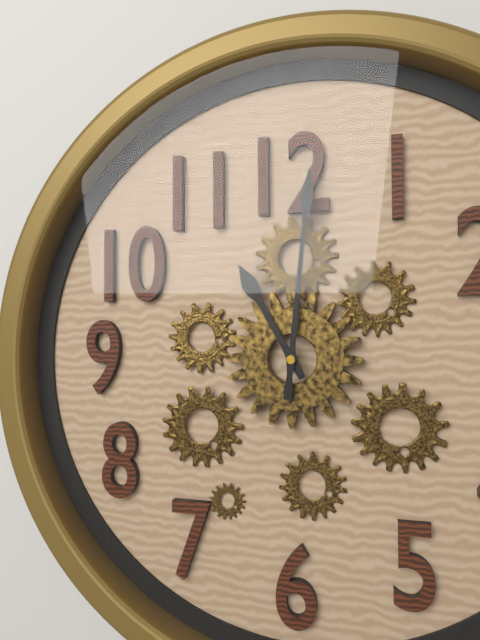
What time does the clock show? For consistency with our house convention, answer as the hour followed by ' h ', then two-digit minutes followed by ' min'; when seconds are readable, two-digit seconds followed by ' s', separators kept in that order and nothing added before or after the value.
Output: 11 h 01 min
